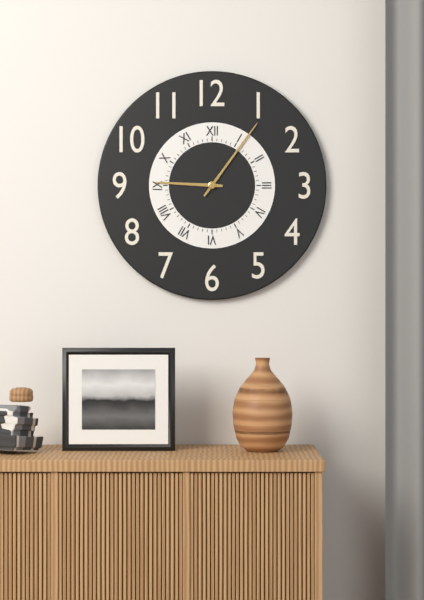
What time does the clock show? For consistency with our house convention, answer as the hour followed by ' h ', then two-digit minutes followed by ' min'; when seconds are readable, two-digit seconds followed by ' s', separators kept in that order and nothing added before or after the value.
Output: 9 h 06 min
